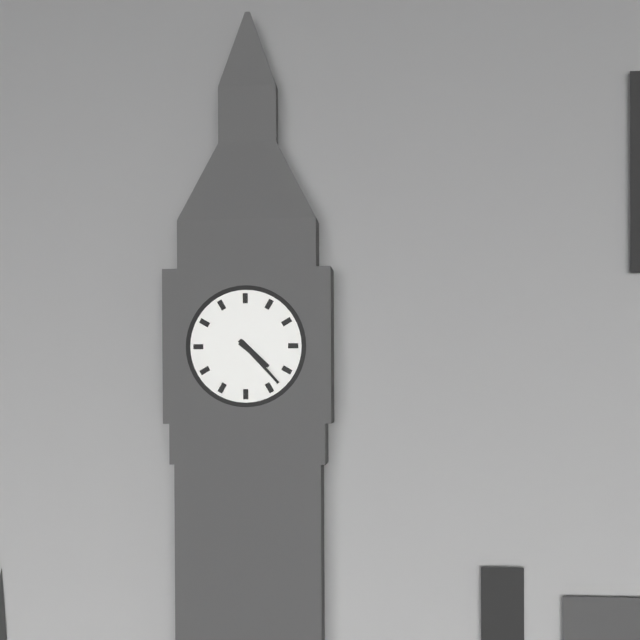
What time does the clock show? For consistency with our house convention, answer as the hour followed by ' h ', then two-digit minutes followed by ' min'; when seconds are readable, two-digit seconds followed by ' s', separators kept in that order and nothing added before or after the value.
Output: 4 h 23 min
